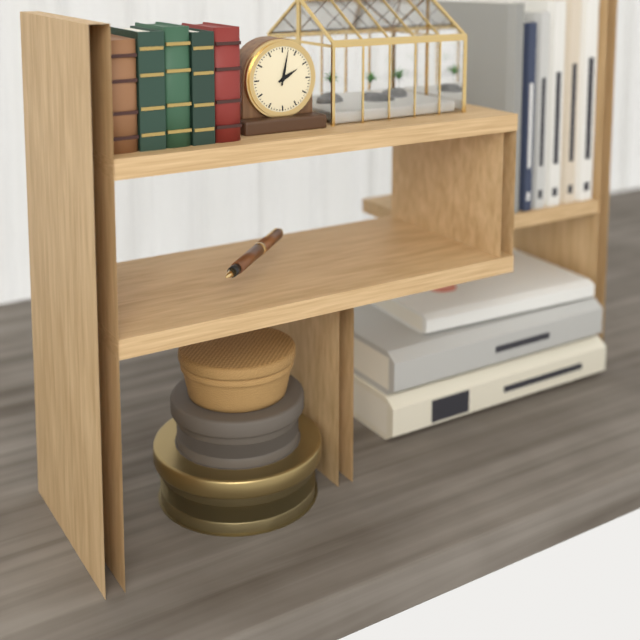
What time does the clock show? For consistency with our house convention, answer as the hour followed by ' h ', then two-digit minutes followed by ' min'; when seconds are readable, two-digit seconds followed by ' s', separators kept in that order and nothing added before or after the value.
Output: 2 h 02 min
